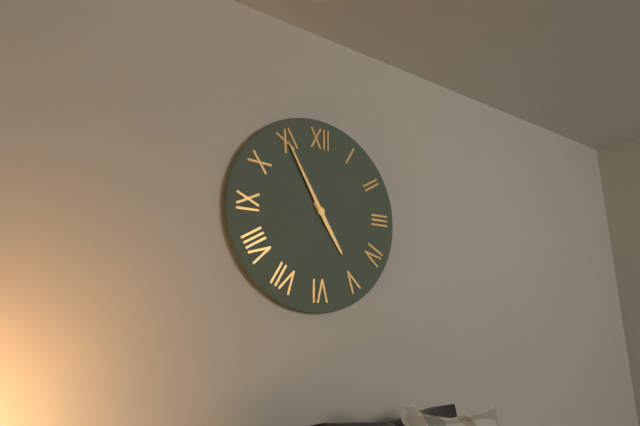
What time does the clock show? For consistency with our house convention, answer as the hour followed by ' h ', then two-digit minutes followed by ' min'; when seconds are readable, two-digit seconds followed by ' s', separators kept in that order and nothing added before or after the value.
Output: 4 h 55 min
